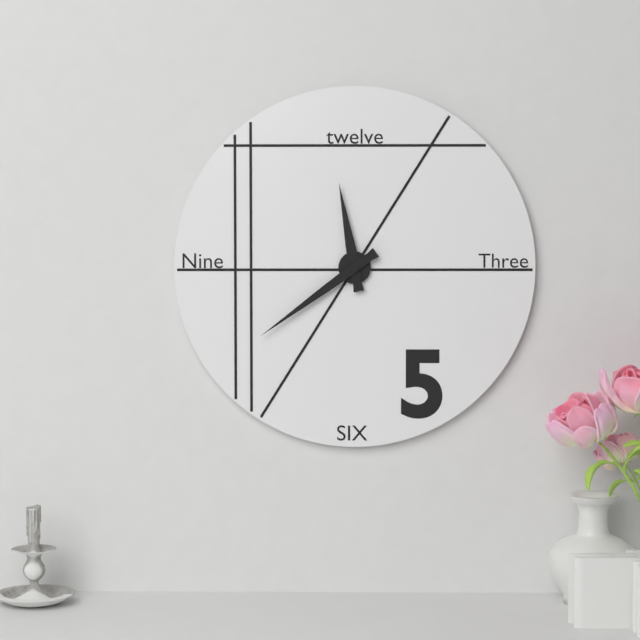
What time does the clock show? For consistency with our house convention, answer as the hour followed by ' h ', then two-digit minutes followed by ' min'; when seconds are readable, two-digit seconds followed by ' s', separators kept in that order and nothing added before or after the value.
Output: 11 h 39 min
